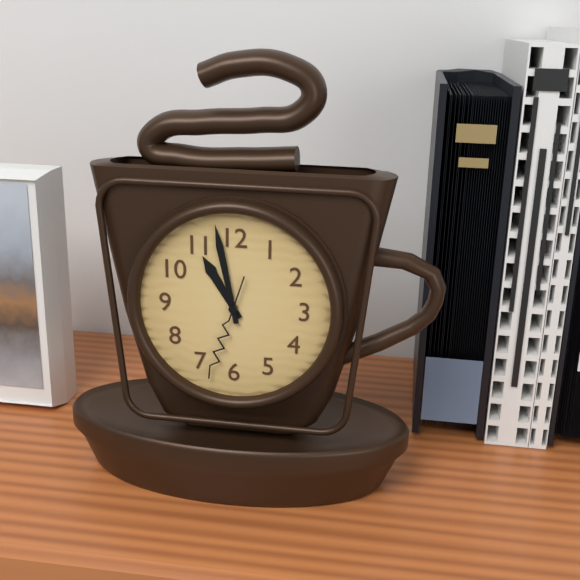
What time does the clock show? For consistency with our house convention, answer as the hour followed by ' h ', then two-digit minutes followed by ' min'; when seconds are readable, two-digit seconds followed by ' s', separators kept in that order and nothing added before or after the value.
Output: 10 h 58 min 33 s
